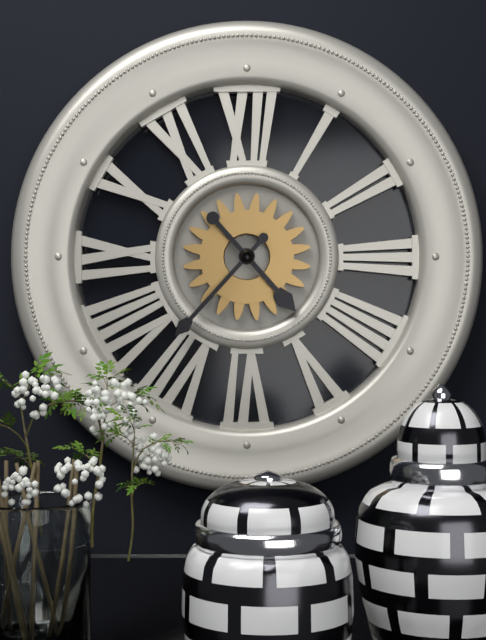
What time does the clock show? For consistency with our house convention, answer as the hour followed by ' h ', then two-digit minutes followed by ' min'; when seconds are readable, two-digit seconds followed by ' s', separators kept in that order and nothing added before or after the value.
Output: 4 h 37 min
